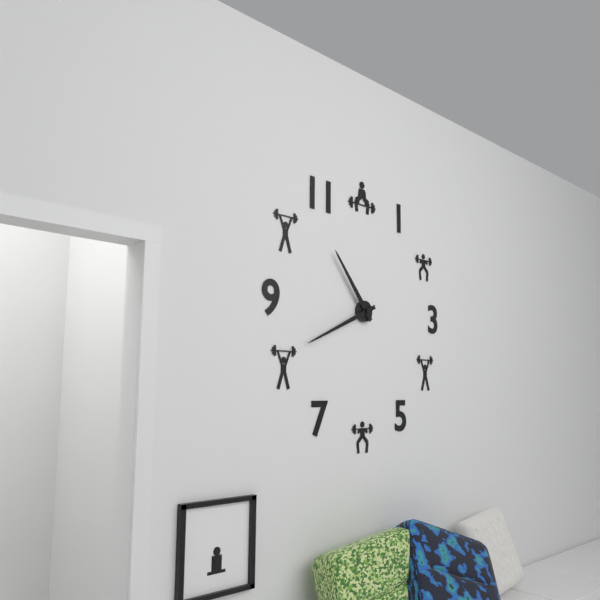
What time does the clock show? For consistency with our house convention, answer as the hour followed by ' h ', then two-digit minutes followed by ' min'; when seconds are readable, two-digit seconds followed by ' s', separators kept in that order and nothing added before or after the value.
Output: 10 h 41 min
